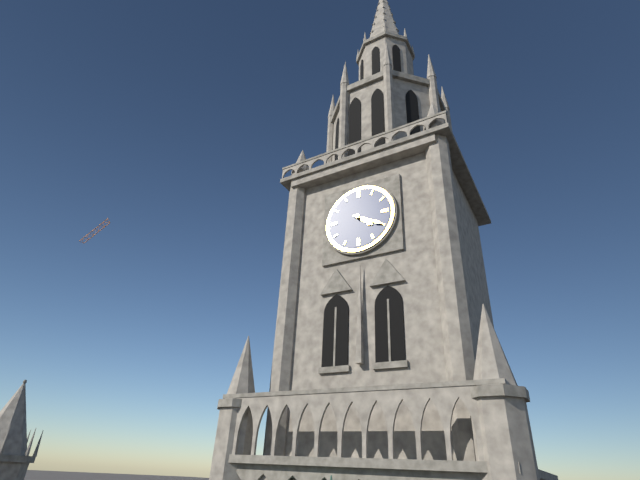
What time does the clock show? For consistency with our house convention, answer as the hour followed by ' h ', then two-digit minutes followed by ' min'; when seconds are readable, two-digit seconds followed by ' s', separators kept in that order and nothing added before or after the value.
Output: 4 h 20 min
